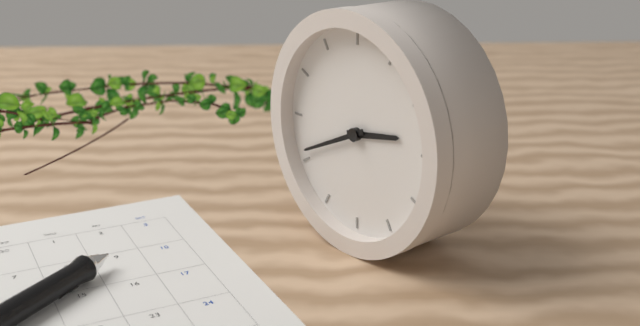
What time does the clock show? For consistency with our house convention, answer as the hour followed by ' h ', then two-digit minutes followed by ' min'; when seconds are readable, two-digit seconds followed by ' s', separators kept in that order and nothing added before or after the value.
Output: 2 h 41 min
